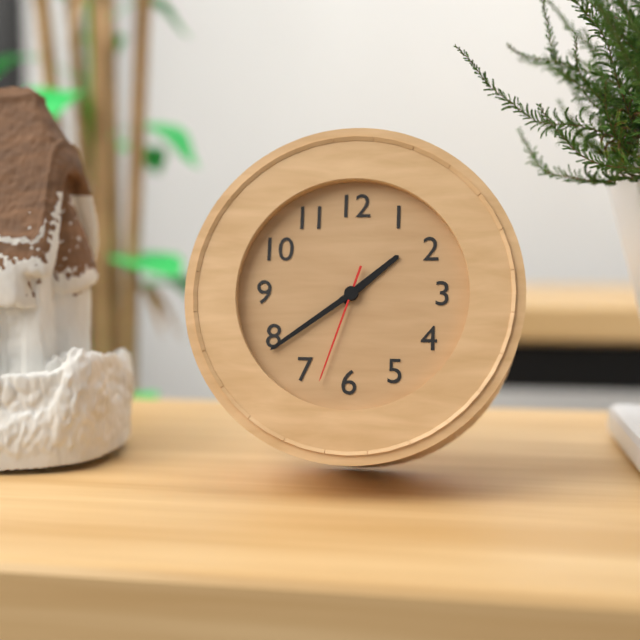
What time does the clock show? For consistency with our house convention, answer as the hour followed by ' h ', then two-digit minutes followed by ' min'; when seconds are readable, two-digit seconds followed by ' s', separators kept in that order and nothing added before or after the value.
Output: 1 h 39 min 33 s
